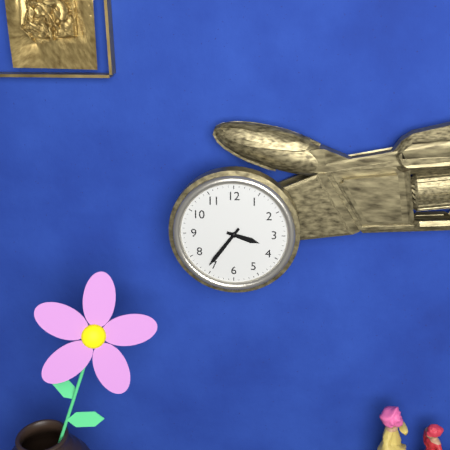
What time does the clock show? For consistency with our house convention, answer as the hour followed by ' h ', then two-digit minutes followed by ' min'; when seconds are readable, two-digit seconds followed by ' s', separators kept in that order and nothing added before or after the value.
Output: 3 h 36 min
